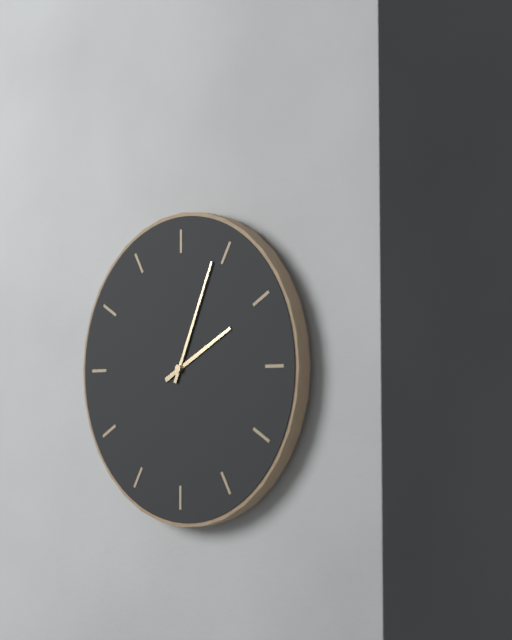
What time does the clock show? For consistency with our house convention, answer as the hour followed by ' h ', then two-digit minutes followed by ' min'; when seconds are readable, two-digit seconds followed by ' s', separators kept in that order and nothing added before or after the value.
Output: 2 h 04 min
